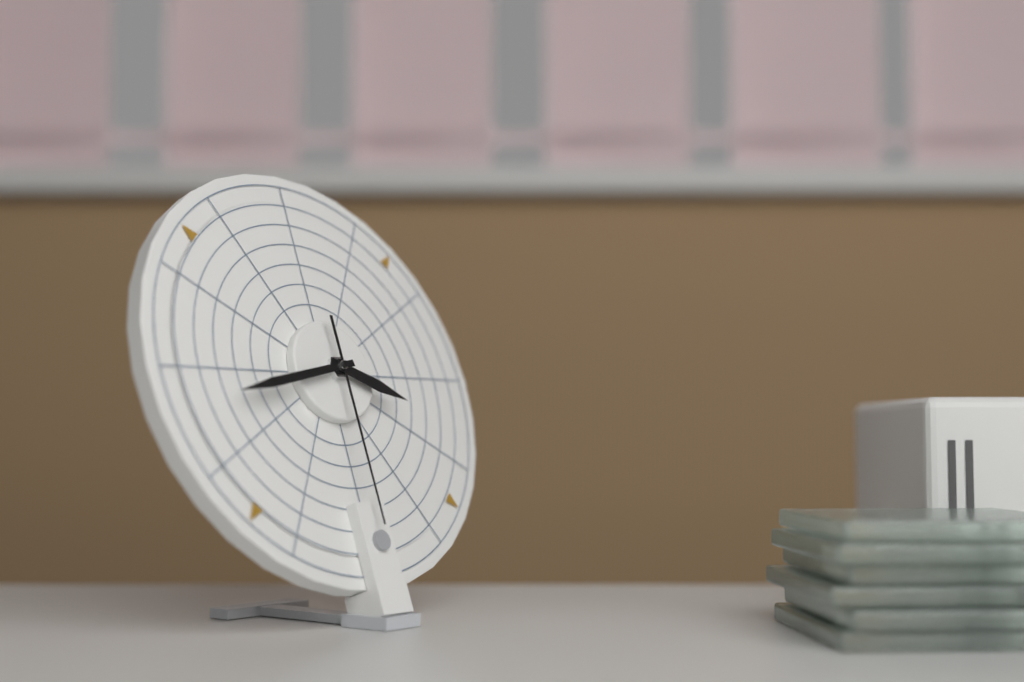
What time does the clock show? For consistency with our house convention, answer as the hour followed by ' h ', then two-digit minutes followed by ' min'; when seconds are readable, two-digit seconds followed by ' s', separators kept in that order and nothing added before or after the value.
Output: 3 h 43 min 30 s
